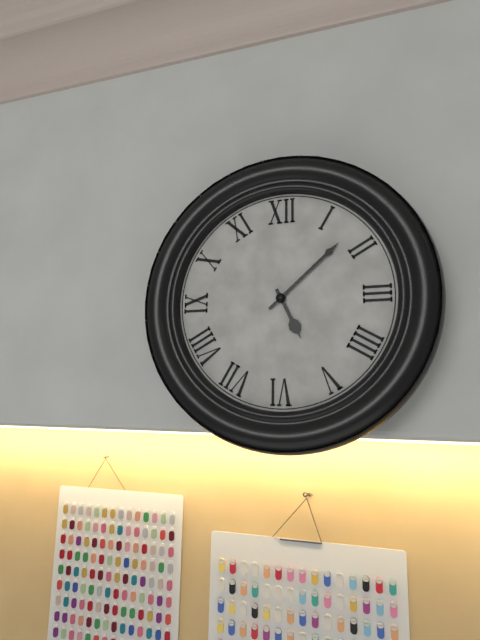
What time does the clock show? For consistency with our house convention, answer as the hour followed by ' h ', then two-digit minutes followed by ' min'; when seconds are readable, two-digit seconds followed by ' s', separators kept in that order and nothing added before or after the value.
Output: 5 h 08 min
